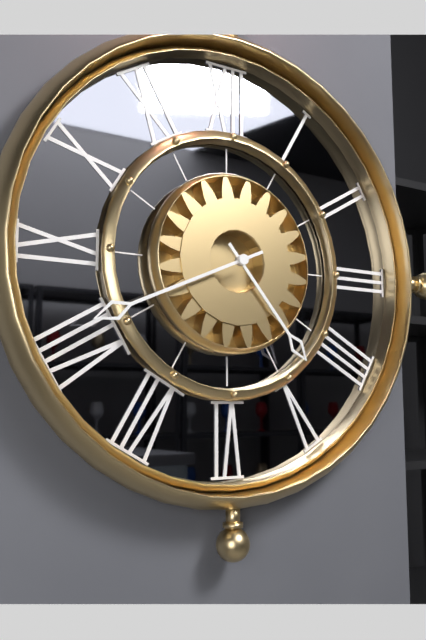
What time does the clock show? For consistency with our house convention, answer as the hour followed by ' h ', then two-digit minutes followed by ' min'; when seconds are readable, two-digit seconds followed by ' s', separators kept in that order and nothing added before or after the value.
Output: 4 h 41 min
